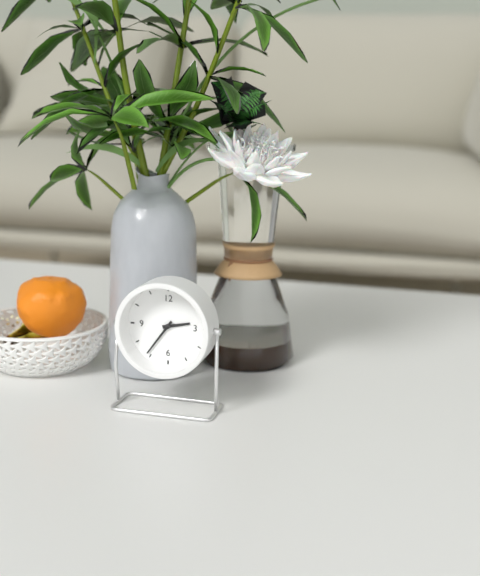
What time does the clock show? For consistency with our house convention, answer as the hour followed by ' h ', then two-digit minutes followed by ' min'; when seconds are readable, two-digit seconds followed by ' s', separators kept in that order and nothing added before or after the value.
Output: 2 h 36 min
